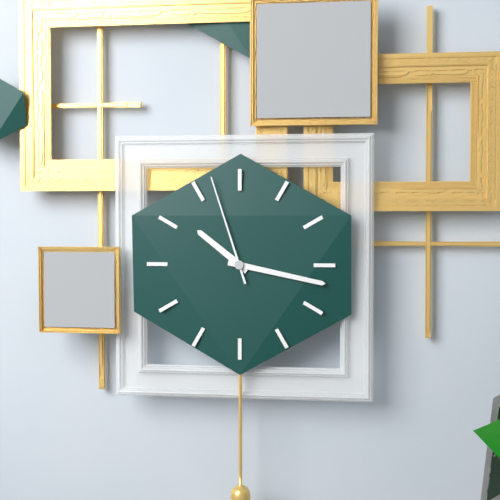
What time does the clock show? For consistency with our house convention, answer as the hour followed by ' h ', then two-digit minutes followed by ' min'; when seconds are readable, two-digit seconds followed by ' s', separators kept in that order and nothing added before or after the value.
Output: 10 h 17 min 57 s
